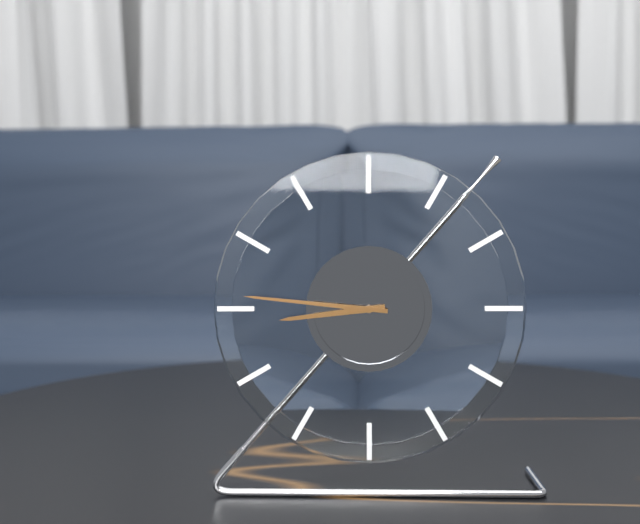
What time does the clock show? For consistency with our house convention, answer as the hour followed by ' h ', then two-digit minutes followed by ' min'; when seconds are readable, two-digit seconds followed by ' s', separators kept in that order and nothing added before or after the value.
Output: 8 h 46 min
